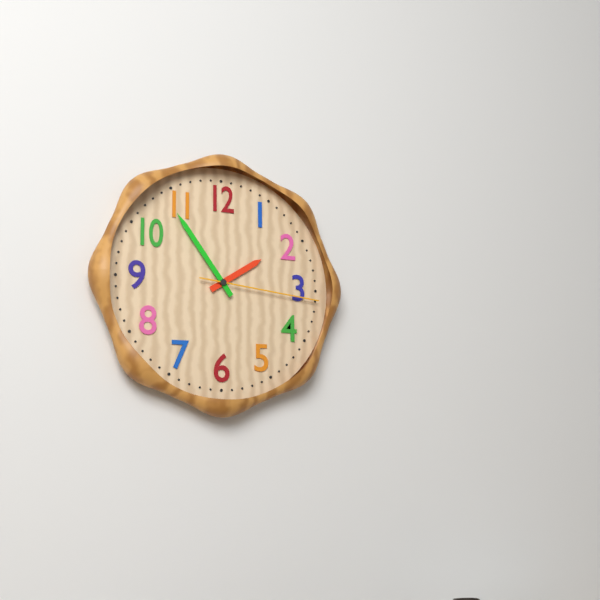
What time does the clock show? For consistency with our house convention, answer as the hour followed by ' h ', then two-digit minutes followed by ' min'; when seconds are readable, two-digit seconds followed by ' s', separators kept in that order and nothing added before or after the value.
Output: 1 h 54 min 16 s
